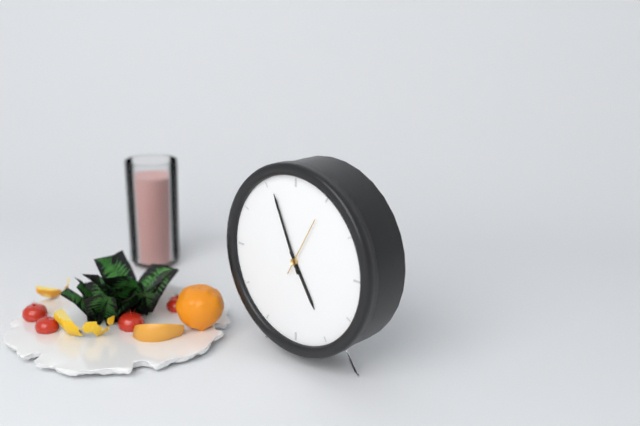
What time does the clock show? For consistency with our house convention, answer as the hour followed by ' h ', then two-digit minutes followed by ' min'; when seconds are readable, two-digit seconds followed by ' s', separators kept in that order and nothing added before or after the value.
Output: 4 h 56 min 05 s
